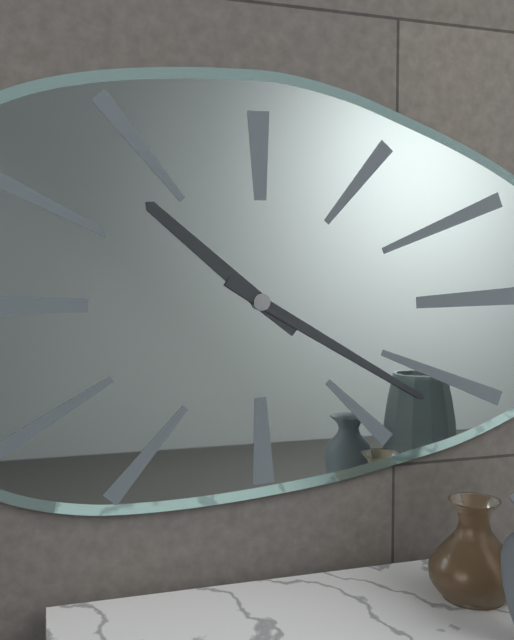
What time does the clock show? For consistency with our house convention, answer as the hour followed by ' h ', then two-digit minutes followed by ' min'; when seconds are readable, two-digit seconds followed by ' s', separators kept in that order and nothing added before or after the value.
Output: 10 h 20 min
